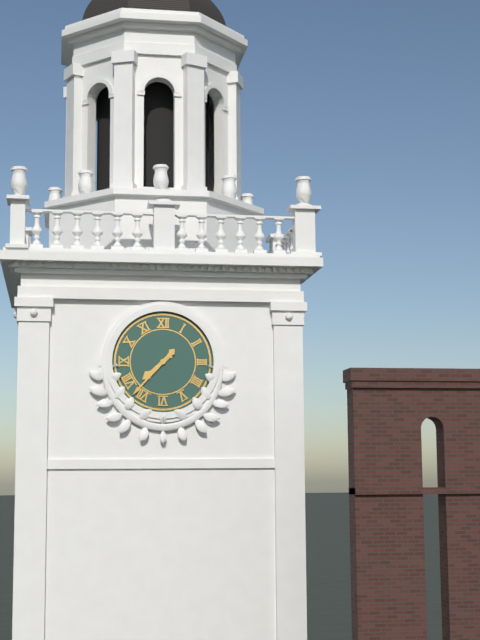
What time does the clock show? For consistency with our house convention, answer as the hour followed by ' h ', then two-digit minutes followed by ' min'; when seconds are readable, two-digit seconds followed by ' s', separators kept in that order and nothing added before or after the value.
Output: 7 h 37 min
